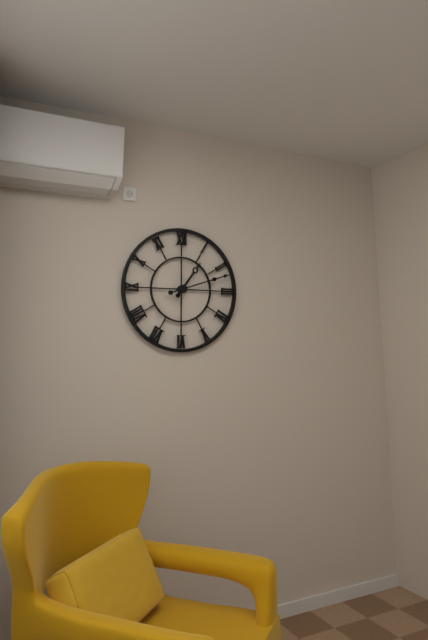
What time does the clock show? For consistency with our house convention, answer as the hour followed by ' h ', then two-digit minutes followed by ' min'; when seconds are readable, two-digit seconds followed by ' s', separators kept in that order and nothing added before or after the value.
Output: 1 h 12 min
